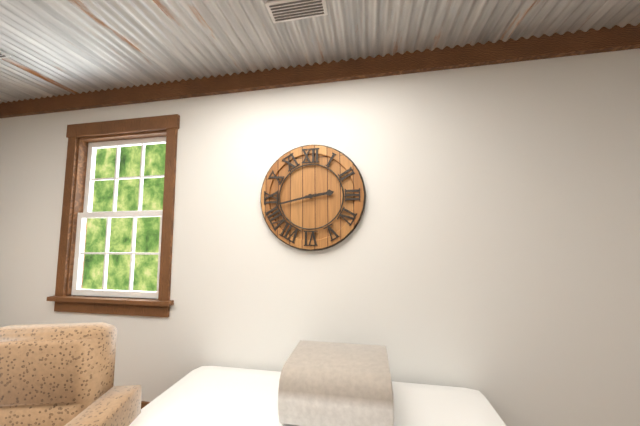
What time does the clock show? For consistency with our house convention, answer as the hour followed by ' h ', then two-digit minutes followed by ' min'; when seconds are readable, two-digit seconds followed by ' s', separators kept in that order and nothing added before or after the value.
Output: 2 h 43 min
